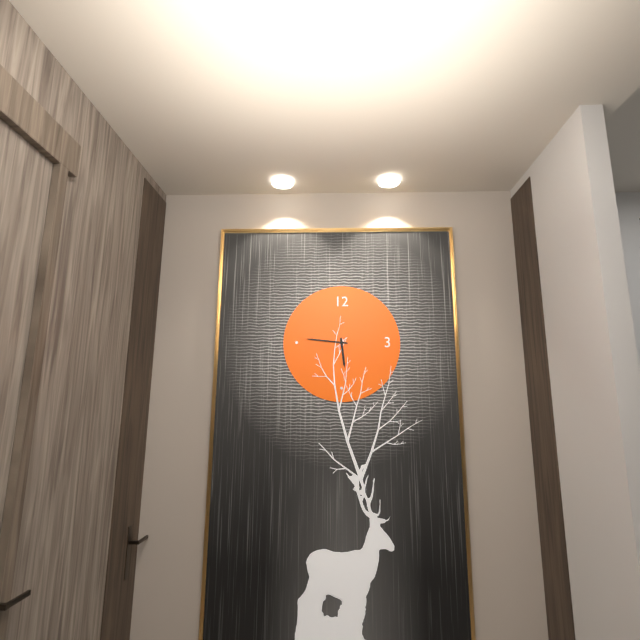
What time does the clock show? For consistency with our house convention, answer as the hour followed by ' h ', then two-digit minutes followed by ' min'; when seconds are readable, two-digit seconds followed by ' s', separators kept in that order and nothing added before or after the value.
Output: 5 h 46 min
